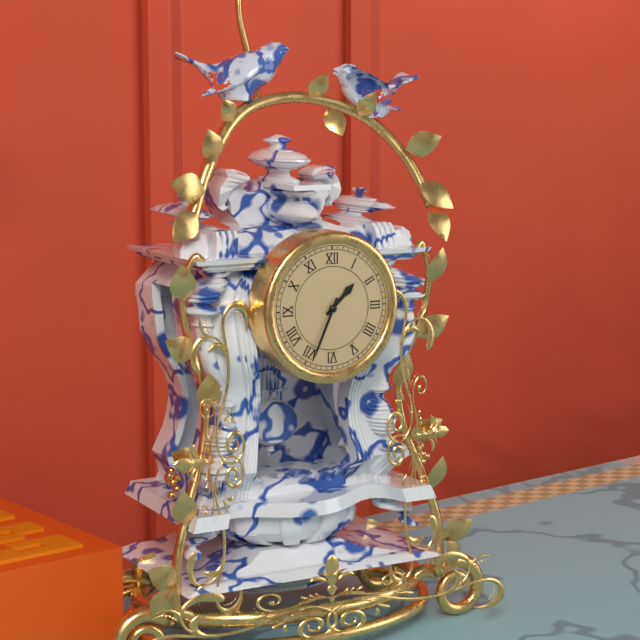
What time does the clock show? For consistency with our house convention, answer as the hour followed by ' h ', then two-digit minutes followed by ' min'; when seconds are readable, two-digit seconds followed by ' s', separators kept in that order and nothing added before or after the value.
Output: 1 h 34 min
